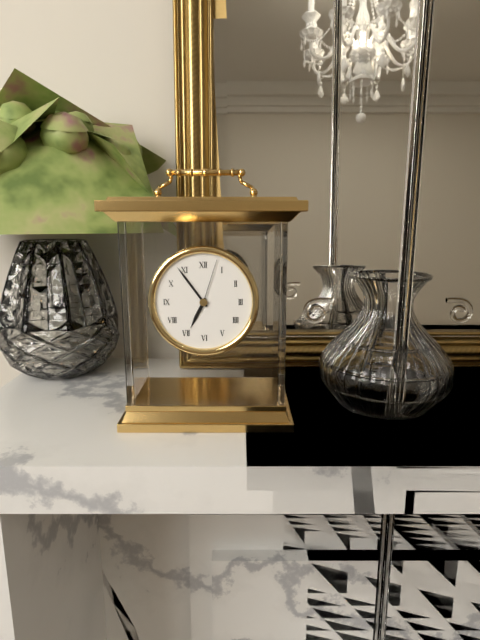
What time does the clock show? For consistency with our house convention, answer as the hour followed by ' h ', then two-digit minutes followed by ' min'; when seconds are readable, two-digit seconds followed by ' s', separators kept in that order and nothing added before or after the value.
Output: 6 h 54 min 03 s
